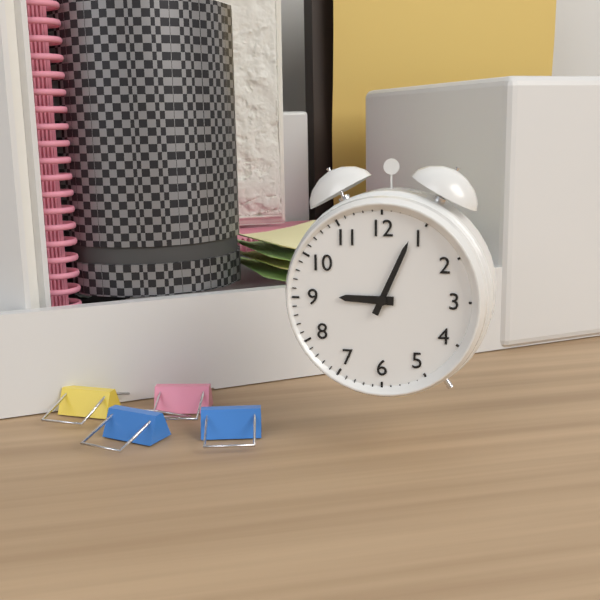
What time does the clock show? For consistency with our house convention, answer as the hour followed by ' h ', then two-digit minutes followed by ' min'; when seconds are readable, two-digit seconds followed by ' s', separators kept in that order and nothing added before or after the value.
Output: 9 h 04 min
